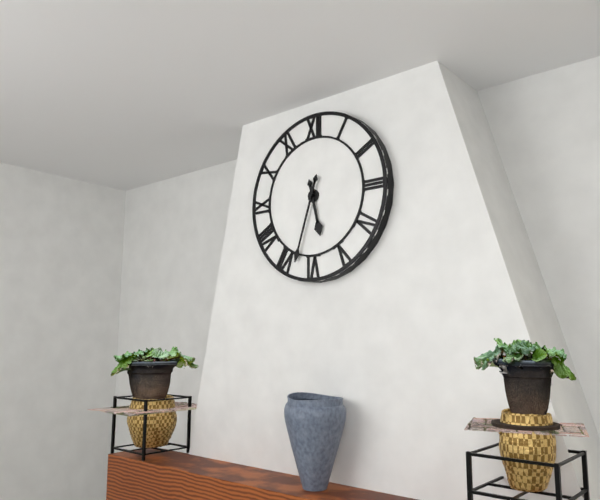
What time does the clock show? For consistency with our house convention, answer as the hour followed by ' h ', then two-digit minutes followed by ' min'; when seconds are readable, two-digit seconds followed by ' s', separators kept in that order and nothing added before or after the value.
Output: 5 h 33 min
